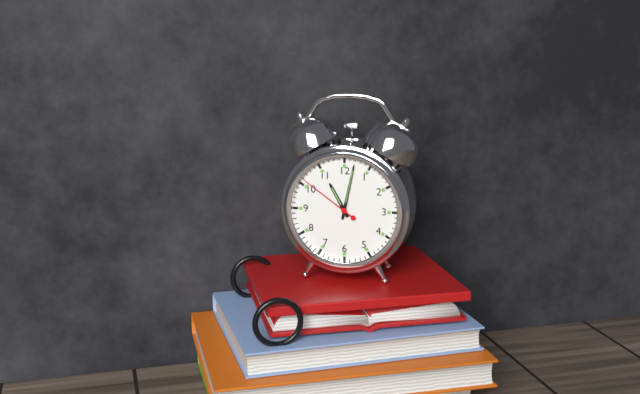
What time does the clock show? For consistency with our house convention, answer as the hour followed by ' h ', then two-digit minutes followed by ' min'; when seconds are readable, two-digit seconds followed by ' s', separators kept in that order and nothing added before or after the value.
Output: 11 h 02 min 51 s
